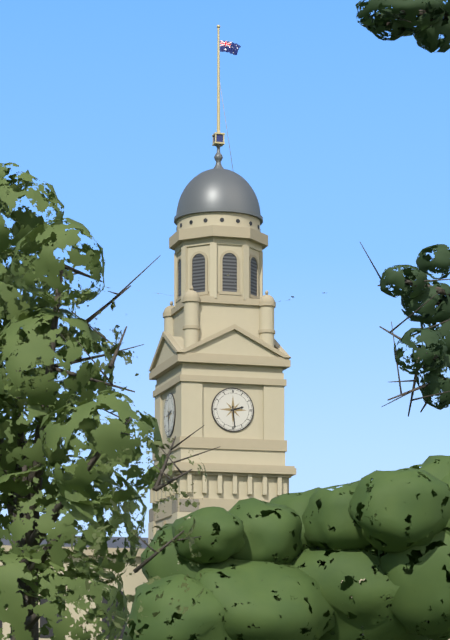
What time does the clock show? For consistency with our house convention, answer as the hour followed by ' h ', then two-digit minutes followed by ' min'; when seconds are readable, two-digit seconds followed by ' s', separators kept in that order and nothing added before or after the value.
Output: 2 h 29 min
